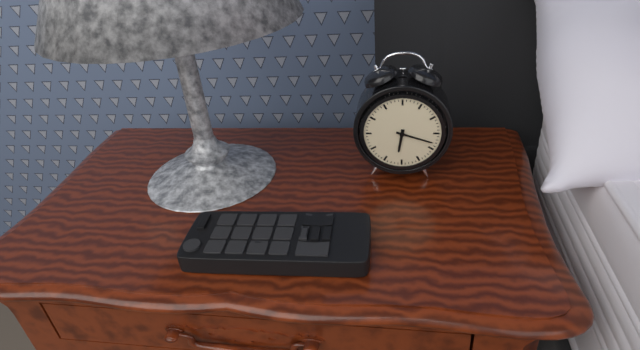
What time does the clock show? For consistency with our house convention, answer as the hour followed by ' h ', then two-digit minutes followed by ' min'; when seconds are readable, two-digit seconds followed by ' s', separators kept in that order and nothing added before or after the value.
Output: 6 h 18 min
